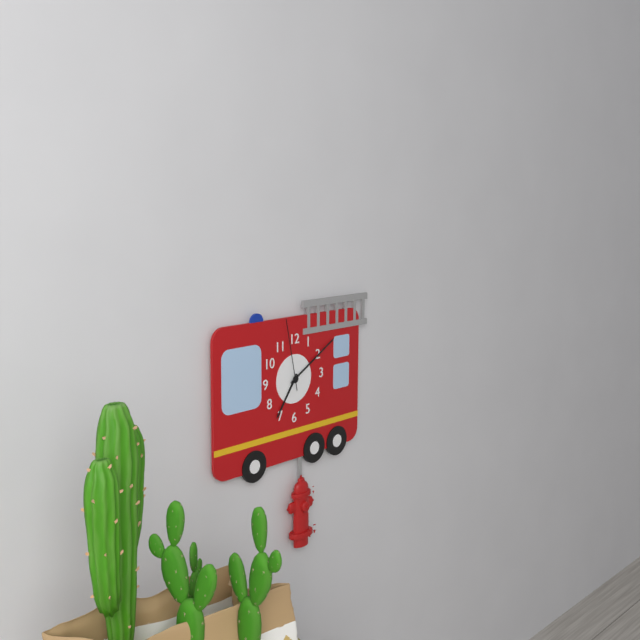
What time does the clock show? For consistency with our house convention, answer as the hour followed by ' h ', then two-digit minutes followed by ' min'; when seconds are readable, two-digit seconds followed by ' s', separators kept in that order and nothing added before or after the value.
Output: 7 h 10 min 58 s
